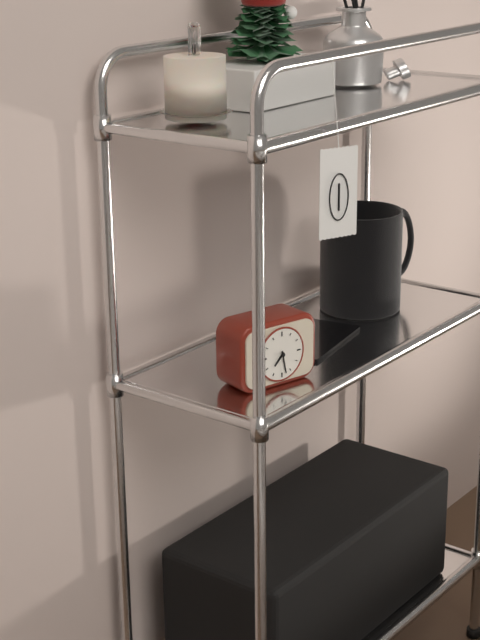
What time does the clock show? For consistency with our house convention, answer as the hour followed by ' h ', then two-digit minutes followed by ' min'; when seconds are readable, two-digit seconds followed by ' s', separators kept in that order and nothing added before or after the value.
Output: 7 h 28 min
